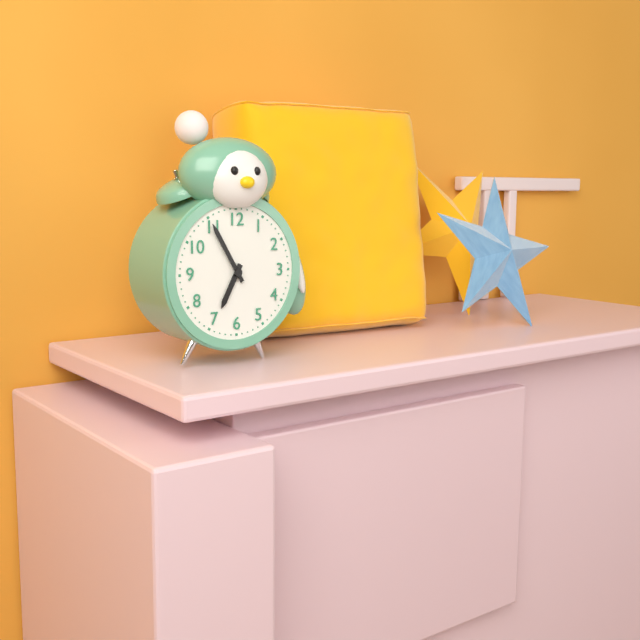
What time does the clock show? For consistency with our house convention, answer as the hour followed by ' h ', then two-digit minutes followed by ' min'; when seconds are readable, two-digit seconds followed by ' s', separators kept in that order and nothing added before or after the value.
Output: 6 h 55 min
